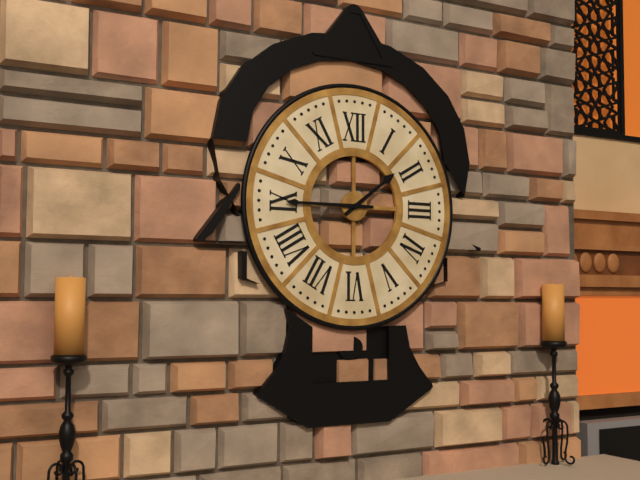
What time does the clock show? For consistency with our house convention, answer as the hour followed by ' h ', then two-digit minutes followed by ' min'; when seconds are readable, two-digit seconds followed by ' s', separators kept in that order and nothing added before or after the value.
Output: 1 h 45 min
